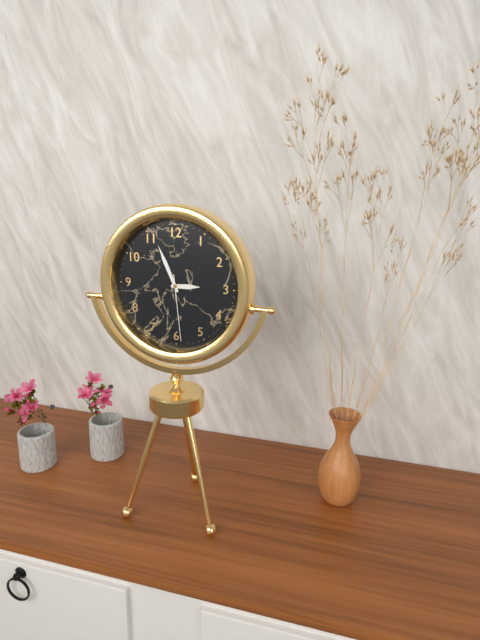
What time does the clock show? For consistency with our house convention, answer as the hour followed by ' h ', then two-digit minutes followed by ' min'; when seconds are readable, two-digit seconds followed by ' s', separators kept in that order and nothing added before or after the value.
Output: 2 h 56 min 29 s
